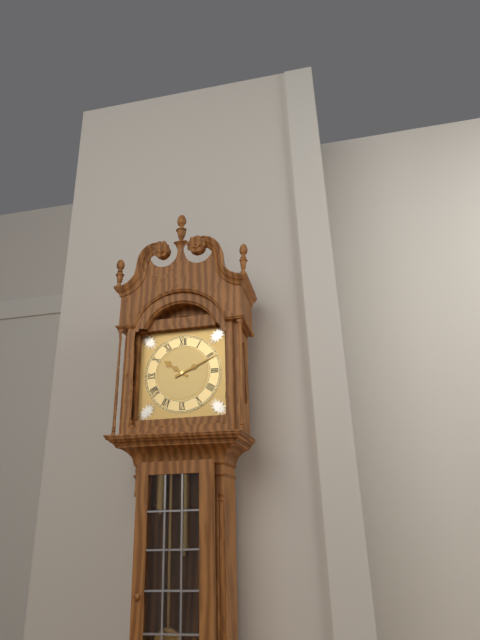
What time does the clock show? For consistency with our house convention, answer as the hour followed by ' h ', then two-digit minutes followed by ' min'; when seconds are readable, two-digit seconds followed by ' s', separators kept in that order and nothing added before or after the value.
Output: 10 h 11 min
